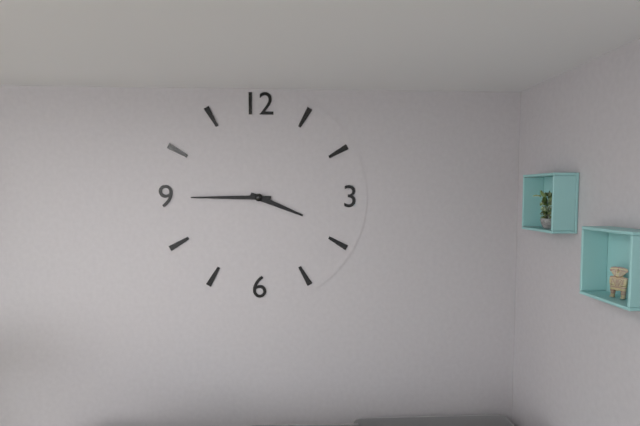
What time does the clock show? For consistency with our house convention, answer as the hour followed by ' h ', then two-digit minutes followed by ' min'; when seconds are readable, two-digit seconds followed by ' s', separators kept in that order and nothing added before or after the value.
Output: 3 h 45 min
